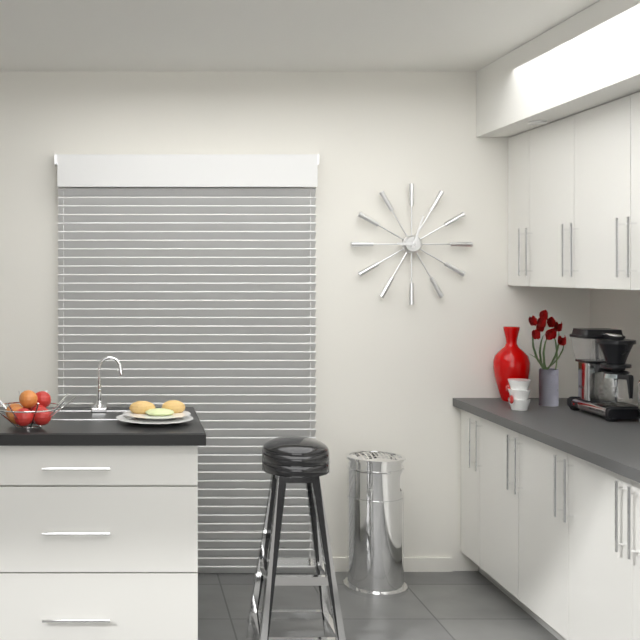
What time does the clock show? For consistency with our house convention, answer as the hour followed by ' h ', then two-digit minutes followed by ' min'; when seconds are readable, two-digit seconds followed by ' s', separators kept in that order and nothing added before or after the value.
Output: 9 h 03 min
